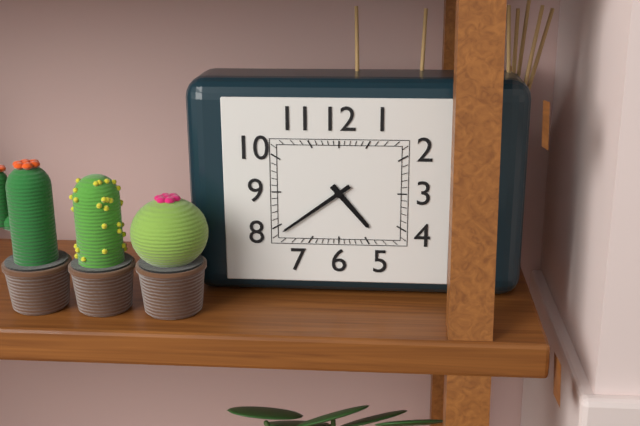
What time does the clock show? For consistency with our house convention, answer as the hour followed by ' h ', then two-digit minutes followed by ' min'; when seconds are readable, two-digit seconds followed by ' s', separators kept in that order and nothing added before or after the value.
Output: 4 h 39 min
